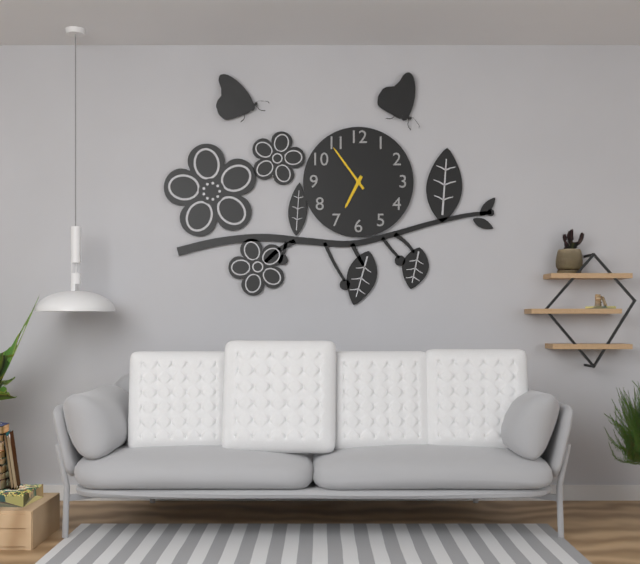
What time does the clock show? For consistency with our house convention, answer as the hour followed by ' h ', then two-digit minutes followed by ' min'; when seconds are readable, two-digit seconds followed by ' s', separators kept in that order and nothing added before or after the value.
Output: 6 h 54 min
